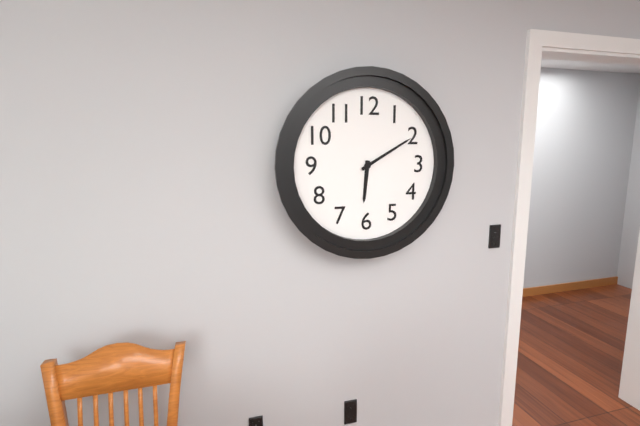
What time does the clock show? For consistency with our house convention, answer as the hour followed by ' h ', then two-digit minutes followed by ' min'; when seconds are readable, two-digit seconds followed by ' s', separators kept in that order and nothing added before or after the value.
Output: 6 h 10 min
